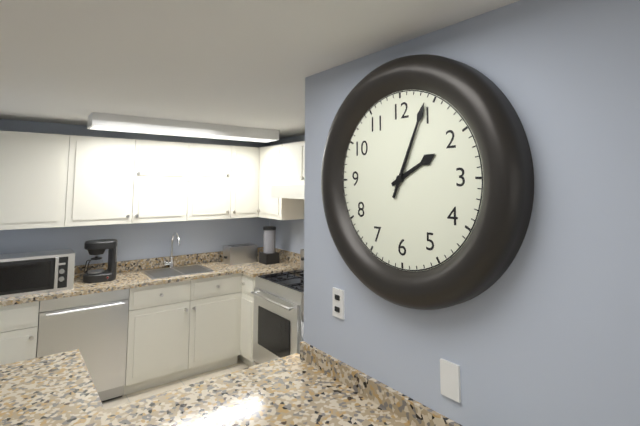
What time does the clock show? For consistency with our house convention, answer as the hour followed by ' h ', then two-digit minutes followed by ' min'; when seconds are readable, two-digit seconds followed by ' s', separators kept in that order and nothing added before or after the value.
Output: 2 h 04 min
